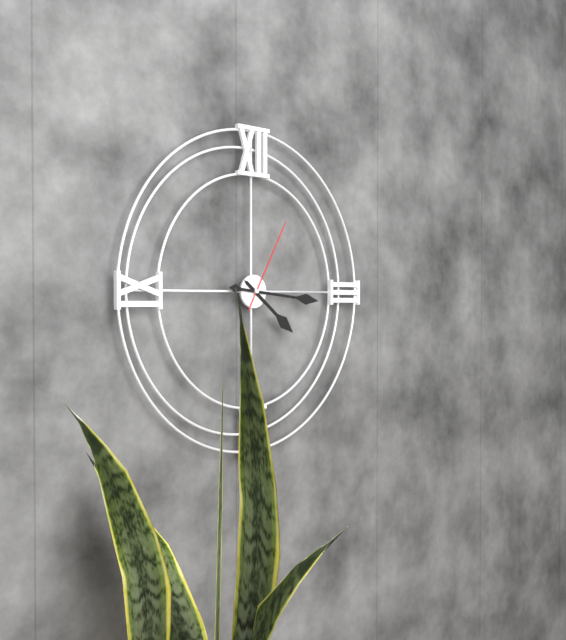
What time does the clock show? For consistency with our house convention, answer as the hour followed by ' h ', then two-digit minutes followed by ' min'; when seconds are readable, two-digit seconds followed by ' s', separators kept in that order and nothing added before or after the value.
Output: 4 h 16 min 05 s
